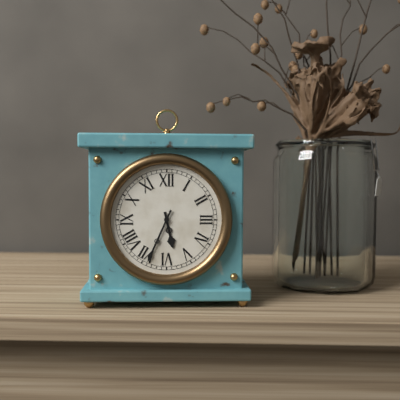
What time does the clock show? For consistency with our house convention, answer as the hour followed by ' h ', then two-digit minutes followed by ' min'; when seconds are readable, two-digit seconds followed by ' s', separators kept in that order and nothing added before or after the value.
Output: 5 h 34 min
